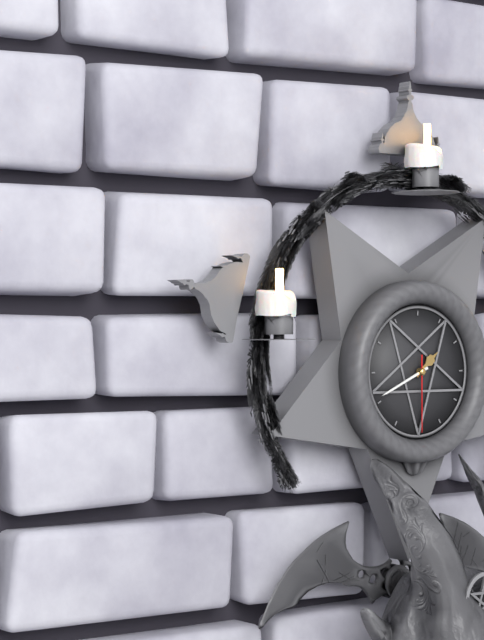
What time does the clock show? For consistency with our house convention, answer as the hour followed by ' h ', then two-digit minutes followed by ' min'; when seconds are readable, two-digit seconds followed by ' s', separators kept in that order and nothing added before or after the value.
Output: 1 h 41 min 30 s
